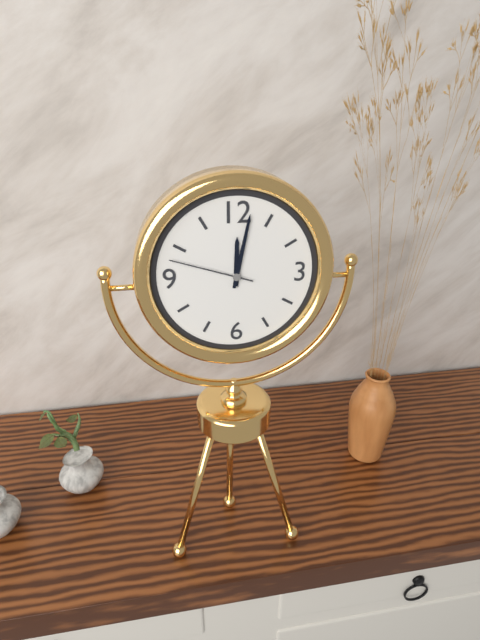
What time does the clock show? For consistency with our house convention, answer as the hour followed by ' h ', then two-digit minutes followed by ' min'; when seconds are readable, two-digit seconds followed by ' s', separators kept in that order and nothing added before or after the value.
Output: 12 h 02 min 48 s
